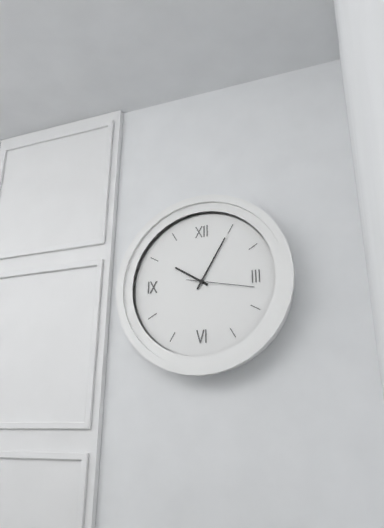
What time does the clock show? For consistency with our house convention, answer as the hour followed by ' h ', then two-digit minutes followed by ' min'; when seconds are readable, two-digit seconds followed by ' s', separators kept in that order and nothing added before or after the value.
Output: 10 h 05 min 17 s
